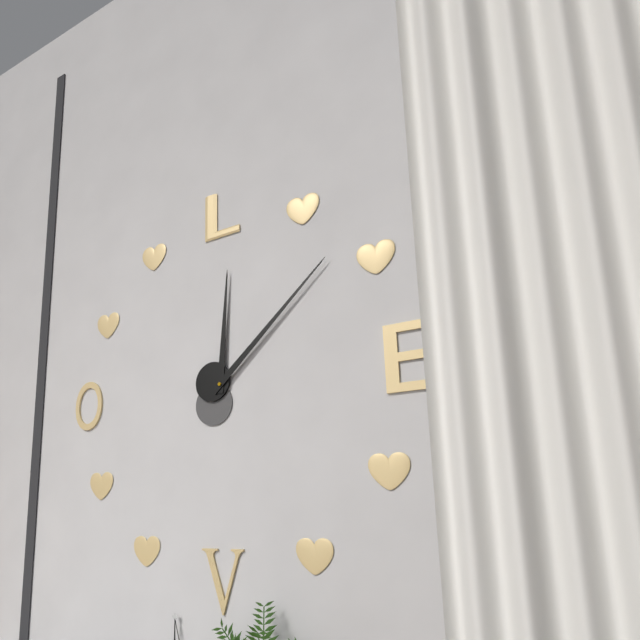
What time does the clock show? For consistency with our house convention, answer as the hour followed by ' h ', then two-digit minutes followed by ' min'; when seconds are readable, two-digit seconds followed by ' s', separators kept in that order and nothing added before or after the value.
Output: 12 h 08 min
